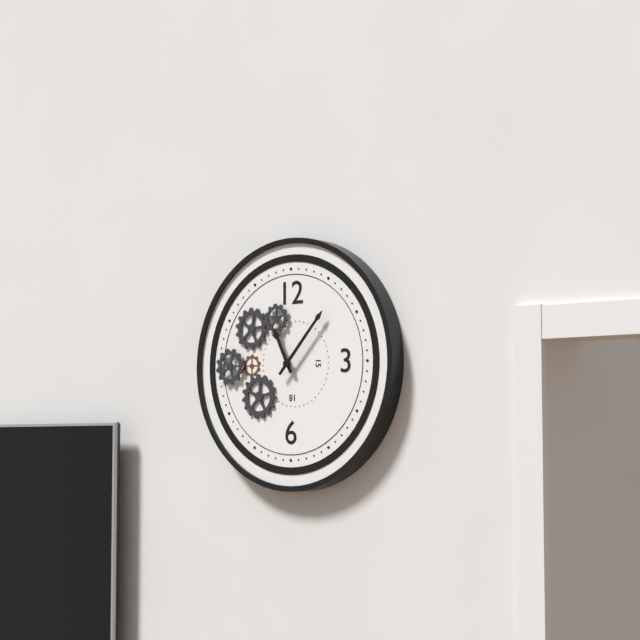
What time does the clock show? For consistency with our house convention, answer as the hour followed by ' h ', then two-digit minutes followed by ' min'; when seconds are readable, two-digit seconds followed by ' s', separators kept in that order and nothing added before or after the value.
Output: 11 h 07 min
